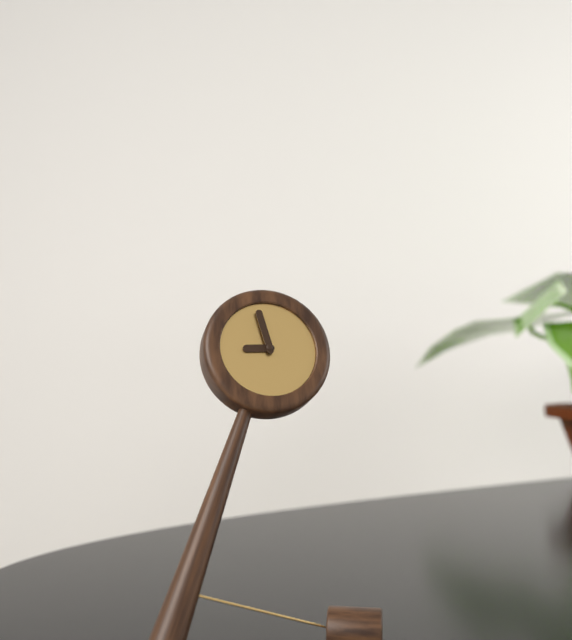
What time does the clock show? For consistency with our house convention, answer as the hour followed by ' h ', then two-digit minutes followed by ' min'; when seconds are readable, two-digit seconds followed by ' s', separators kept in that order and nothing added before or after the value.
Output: 8 h 58 min
